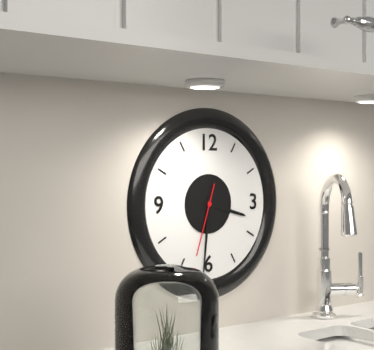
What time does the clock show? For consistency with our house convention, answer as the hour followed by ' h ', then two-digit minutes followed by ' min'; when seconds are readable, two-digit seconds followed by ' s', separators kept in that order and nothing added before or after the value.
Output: 3 h 31 min 33 s
